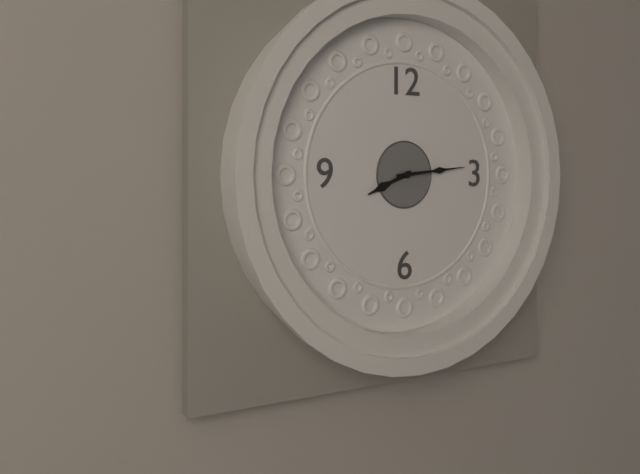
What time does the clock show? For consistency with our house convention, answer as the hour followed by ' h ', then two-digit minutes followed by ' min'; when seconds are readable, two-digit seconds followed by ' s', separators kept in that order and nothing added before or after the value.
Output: 8 h 14 min
